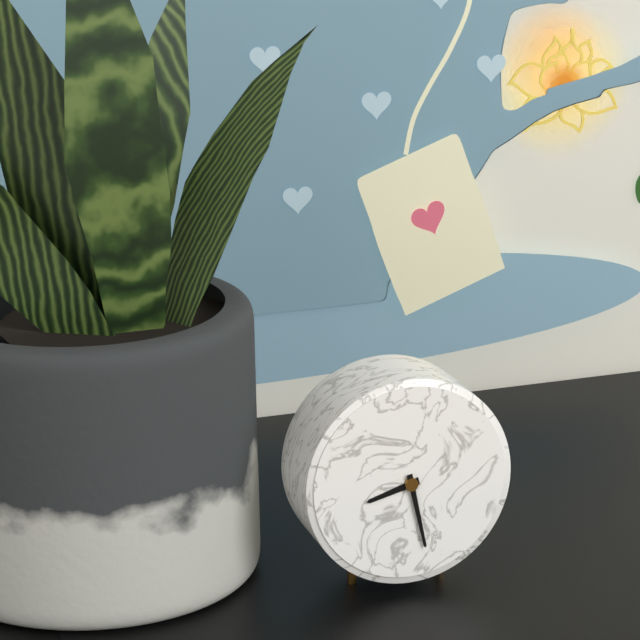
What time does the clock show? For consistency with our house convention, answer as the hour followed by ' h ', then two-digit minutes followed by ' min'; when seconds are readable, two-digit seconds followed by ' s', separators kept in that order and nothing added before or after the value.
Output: 8 h 28 min
